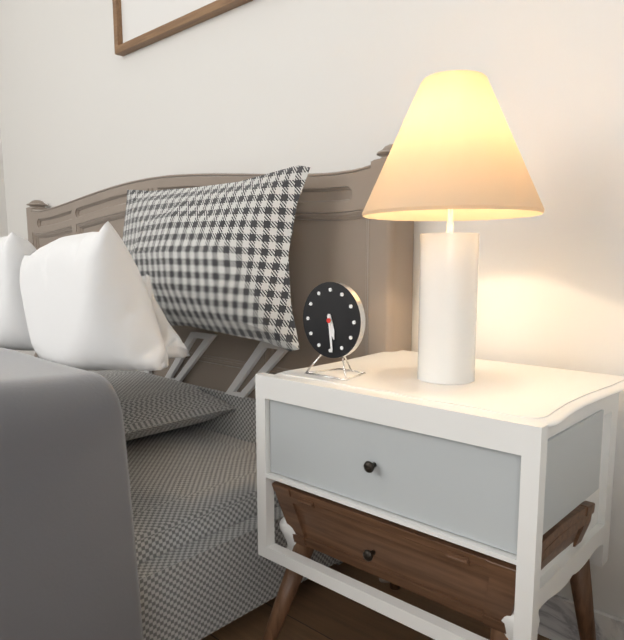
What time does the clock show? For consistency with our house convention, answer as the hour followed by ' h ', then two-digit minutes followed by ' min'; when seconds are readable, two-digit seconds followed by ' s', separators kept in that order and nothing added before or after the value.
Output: 5 h 29 min
